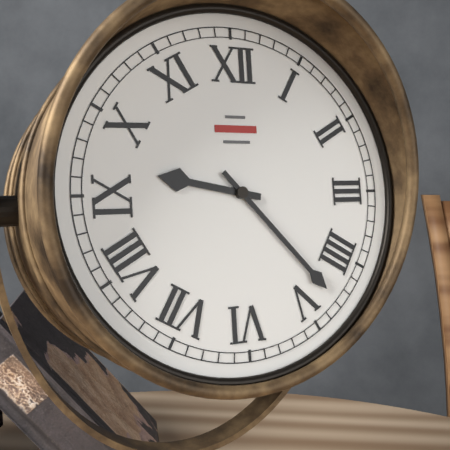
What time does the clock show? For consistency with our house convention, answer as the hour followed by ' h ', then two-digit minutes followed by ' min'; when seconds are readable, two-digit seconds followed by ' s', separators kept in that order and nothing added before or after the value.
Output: 9 h 23 min
